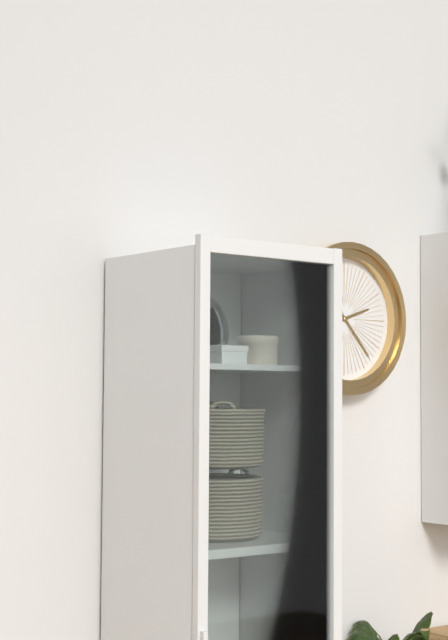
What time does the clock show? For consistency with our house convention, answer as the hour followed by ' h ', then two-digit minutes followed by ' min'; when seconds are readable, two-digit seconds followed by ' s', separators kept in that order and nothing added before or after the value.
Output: 2 h 23 min
